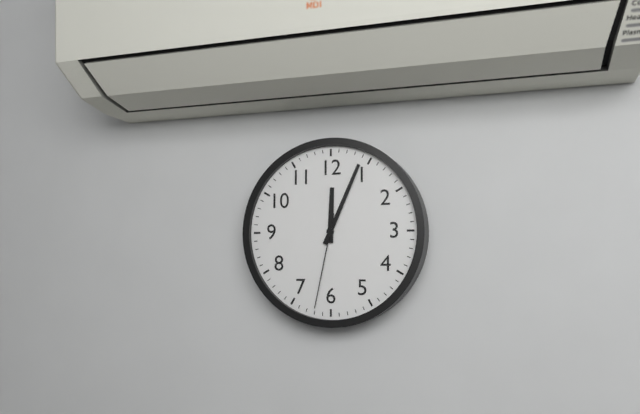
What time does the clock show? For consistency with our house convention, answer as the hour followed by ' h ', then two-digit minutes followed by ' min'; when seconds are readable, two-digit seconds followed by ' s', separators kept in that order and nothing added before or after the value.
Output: 12 h 04 min 32 s
